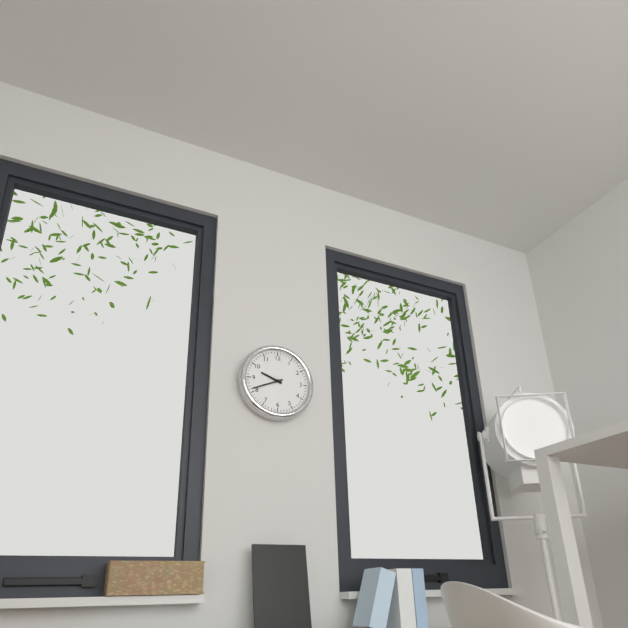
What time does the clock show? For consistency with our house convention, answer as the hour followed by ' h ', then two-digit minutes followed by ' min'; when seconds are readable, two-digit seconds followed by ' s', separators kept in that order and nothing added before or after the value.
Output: 9 h 41 min
